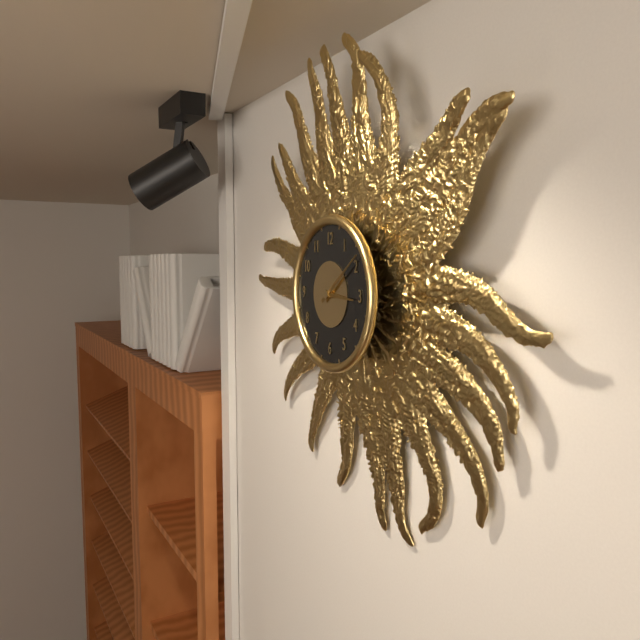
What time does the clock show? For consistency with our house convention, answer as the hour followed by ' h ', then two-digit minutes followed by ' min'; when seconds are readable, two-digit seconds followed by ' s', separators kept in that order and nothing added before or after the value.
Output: 3 h 09 min
